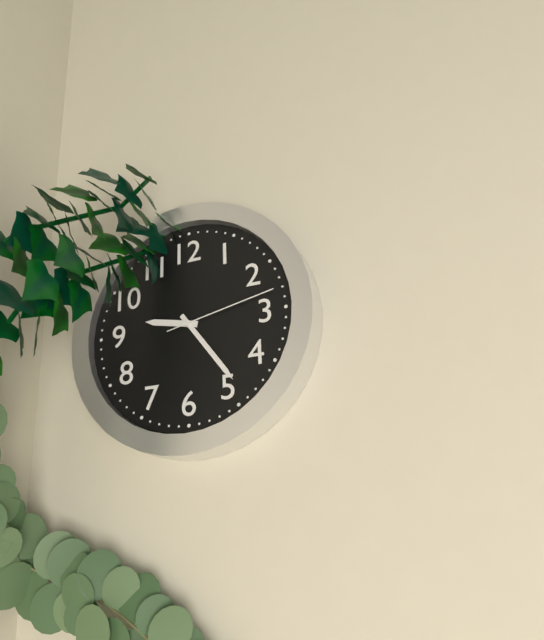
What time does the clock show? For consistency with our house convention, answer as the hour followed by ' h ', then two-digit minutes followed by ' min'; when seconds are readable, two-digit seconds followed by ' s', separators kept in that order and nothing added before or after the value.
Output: 9 h 24 min 13 s
